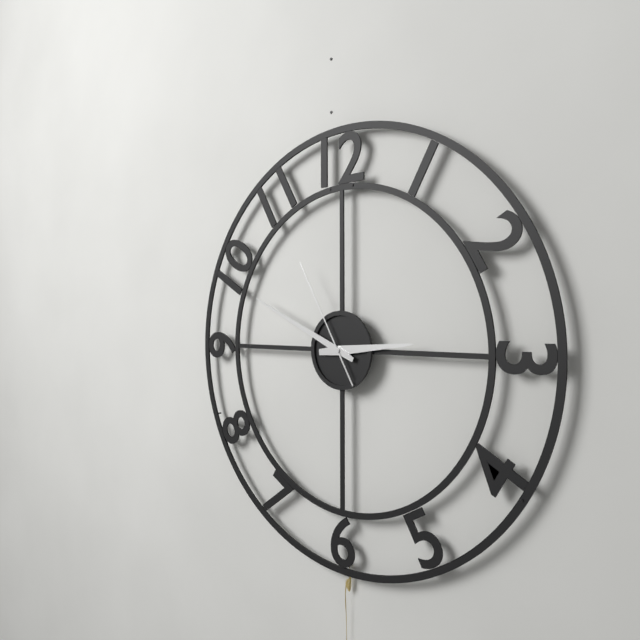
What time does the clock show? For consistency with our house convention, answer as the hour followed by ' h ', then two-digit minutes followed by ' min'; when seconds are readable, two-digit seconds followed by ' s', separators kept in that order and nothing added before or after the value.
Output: 2 h 49 min 55 s
